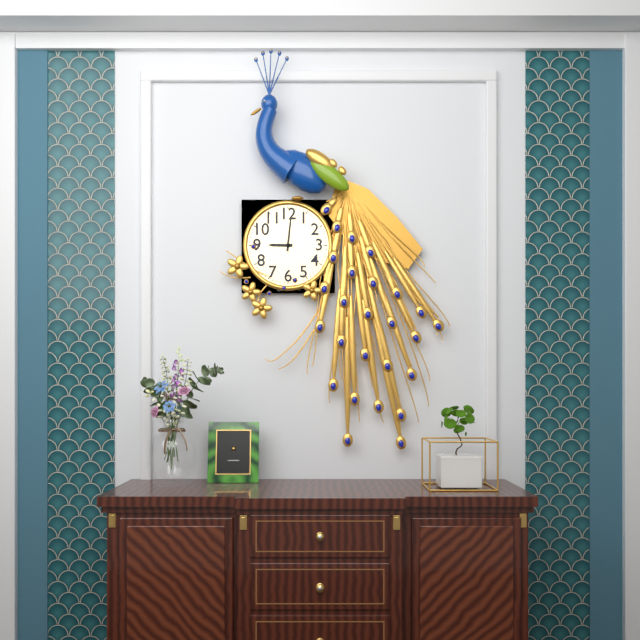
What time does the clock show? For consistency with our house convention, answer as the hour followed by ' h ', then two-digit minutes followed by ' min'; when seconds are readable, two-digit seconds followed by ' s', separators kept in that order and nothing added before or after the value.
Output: 9 h 01 min
